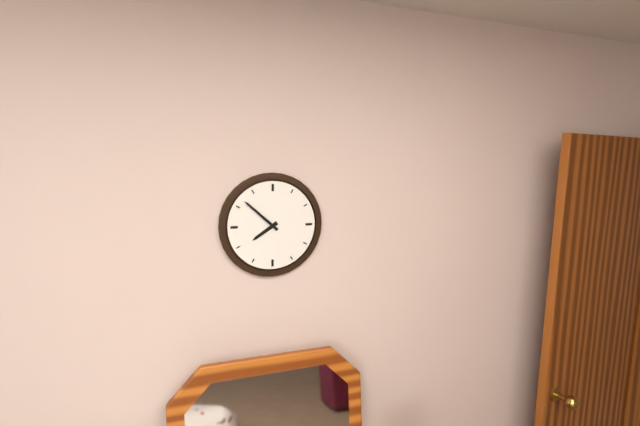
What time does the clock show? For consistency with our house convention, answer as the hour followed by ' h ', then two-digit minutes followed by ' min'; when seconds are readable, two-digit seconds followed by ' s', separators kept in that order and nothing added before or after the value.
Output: 7 h 52 min
